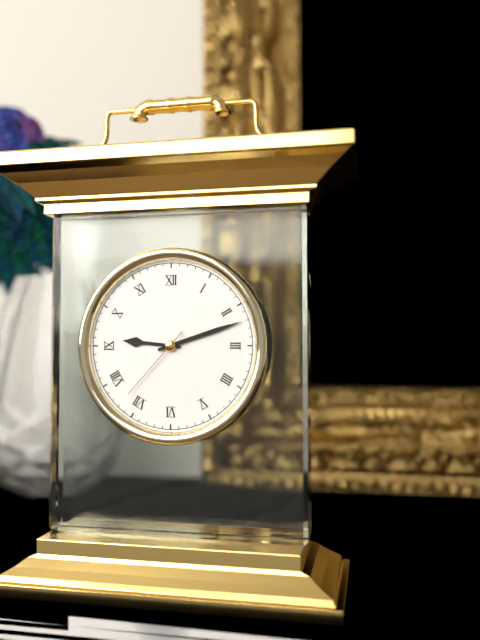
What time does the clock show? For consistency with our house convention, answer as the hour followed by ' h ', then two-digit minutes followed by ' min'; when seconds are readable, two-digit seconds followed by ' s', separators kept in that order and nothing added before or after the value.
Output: 9 h 12 min 37 s
